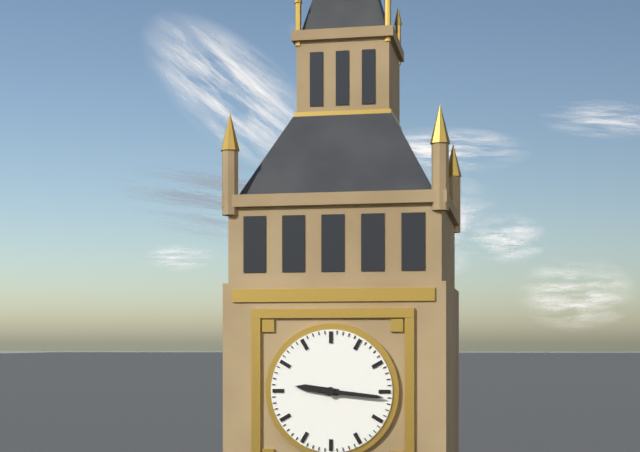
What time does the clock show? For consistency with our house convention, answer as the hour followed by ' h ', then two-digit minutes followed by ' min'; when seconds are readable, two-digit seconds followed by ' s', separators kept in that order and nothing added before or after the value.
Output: 9 h 16 min
